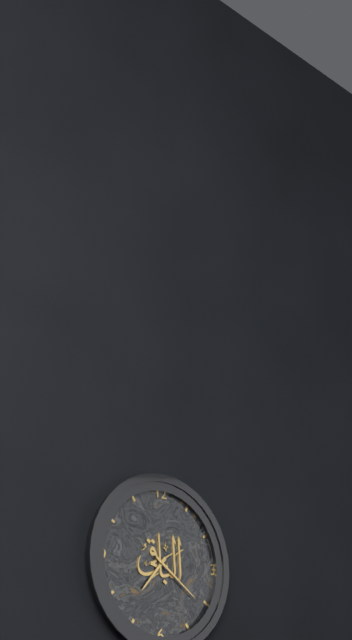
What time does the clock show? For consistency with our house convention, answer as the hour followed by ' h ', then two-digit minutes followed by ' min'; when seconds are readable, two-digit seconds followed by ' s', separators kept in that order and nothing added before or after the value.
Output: 7 h 21 min
